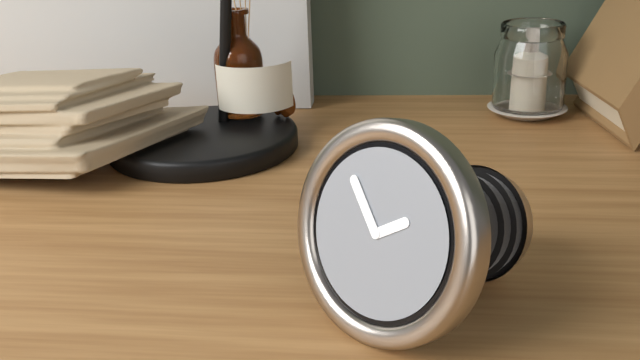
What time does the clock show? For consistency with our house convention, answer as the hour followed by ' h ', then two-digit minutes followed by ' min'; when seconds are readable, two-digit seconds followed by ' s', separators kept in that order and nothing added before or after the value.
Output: 1 h 53 min
